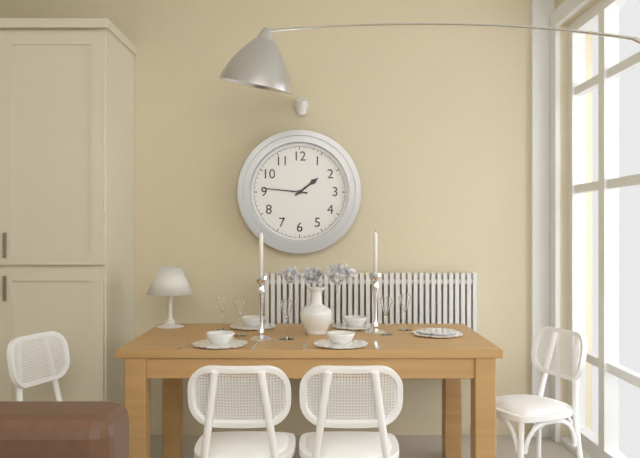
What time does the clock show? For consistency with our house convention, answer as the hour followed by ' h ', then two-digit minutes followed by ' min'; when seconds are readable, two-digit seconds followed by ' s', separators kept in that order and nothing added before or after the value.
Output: 1 h 46 min
